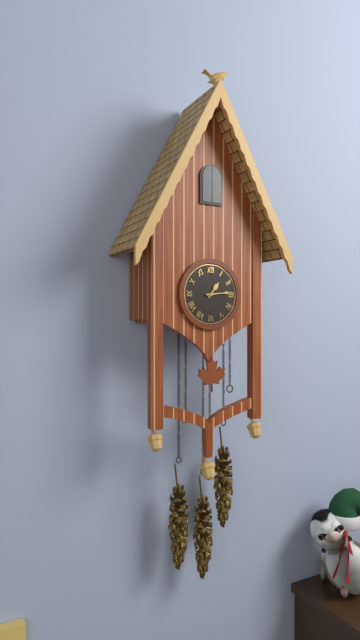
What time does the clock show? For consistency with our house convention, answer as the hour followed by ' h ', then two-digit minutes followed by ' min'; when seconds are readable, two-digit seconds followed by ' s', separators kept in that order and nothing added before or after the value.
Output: 1 h 14 min
